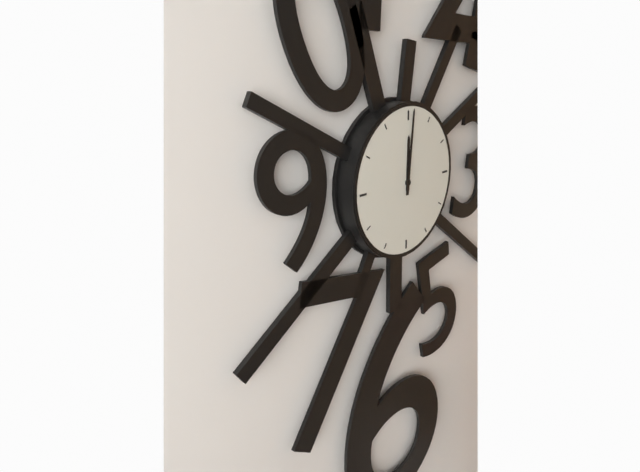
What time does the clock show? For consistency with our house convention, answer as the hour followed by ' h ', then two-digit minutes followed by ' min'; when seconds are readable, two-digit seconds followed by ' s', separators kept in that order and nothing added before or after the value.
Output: 12 h 01 min
